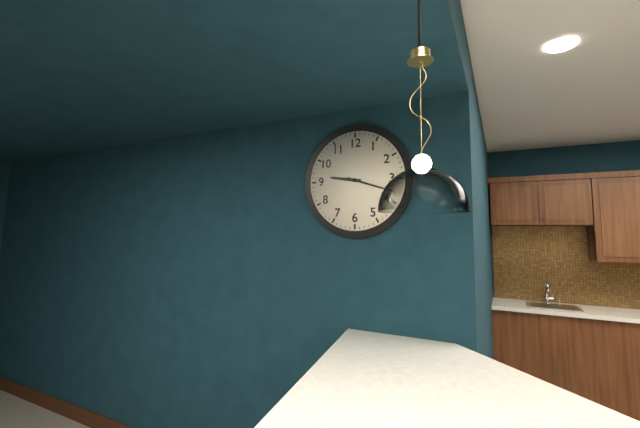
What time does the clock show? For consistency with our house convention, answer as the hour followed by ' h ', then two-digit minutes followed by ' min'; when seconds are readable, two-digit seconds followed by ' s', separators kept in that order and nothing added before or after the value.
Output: 9 h 18 min
